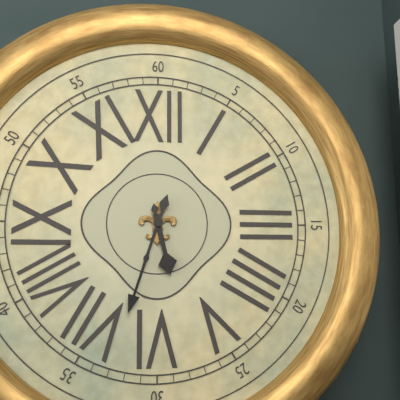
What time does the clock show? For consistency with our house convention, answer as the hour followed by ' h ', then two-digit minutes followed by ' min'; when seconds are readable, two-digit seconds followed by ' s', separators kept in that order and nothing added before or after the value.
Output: 5 h 33 min
